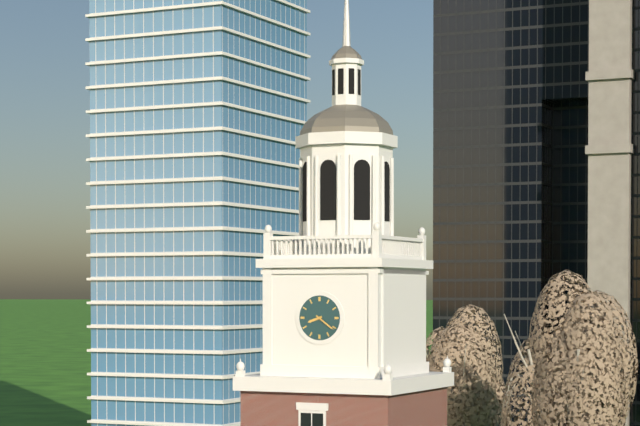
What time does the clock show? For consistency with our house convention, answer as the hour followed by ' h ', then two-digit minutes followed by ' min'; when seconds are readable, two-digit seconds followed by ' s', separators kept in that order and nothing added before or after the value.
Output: 8 h 21 min
